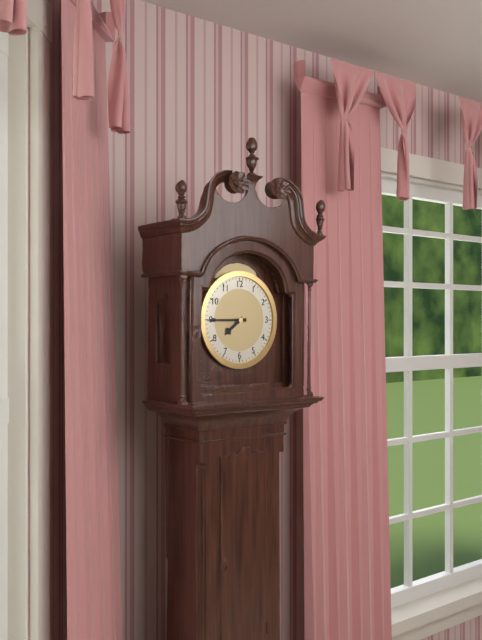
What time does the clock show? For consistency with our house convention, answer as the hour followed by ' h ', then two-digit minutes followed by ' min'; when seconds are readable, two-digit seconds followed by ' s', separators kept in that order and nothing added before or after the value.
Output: 7 h 45 min
